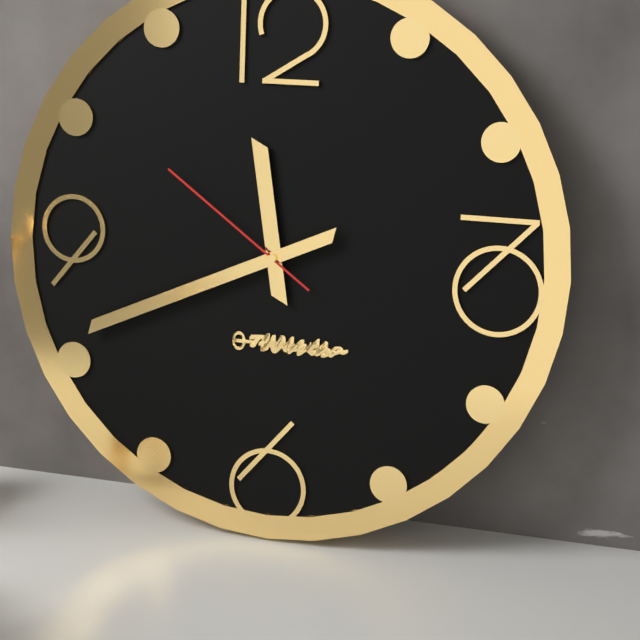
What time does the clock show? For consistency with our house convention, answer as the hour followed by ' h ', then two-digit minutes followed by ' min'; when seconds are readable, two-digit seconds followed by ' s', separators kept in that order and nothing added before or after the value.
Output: 11 h 41 min 51 s
